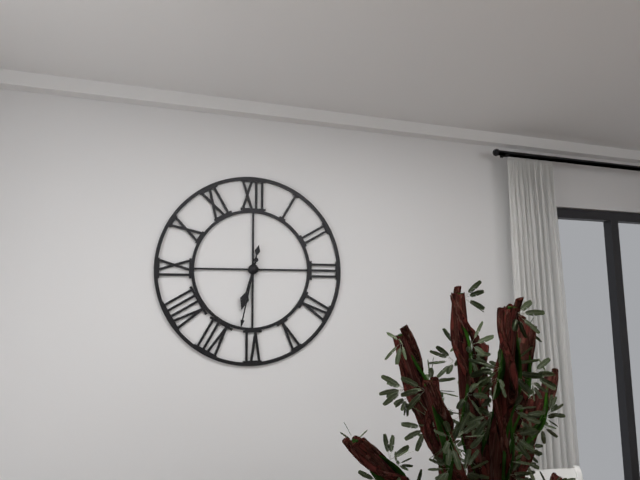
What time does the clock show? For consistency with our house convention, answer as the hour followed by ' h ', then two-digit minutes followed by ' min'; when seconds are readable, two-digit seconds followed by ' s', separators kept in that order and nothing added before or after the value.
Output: 6 h 32 min
